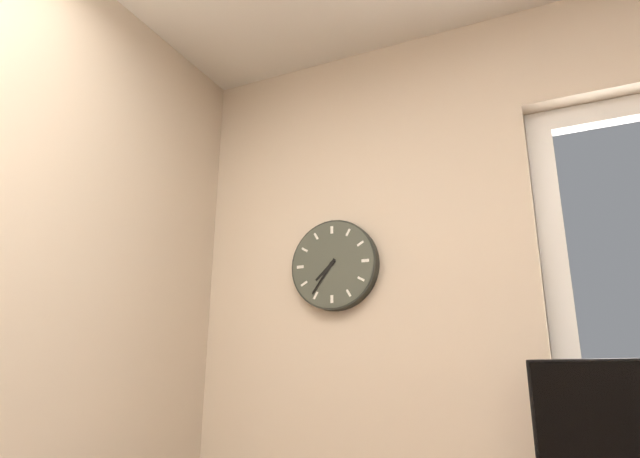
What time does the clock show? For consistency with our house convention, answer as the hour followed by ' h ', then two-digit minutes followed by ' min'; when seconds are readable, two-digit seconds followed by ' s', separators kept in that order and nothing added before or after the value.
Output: 7 h 36 min
